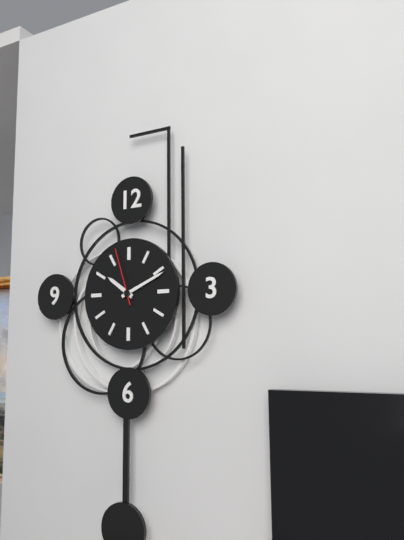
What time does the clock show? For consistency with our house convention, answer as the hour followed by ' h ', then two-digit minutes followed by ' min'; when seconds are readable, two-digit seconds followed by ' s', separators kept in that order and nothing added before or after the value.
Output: 10 h 11 min 57 s
